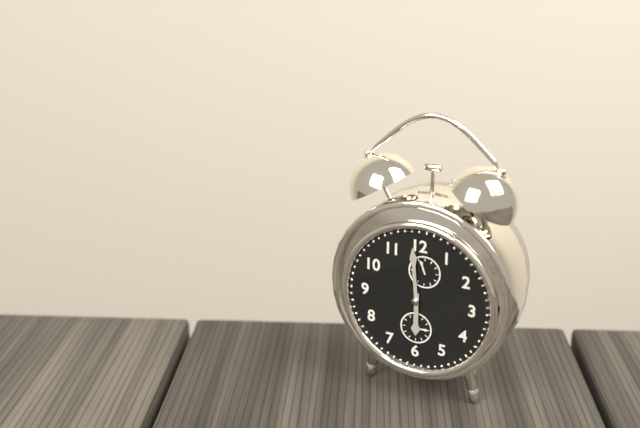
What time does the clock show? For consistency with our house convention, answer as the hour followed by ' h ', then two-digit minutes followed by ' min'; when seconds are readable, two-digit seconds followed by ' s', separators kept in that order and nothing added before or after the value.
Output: 5 h 59 min
